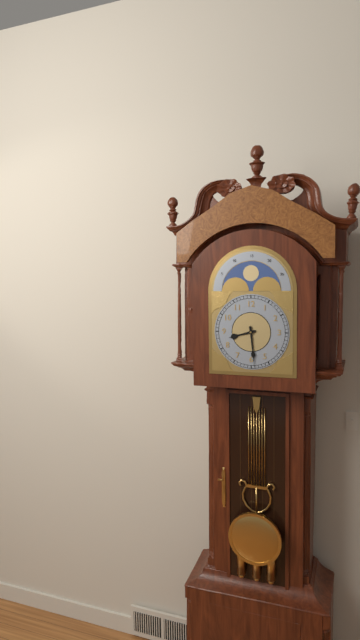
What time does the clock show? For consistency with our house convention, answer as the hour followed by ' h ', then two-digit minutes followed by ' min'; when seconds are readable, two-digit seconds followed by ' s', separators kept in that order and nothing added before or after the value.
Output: 8 h 29 min
